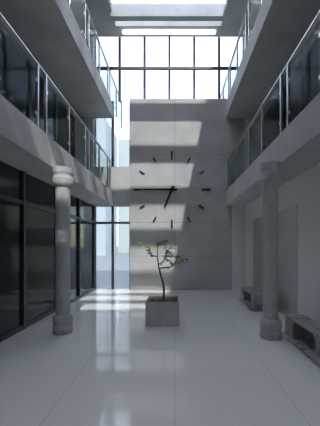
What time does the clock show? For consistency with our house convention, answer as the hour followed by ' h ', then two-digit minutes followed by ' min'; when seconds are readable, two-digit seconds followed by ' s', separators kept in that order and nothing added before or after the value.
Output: 6 h 45 min
